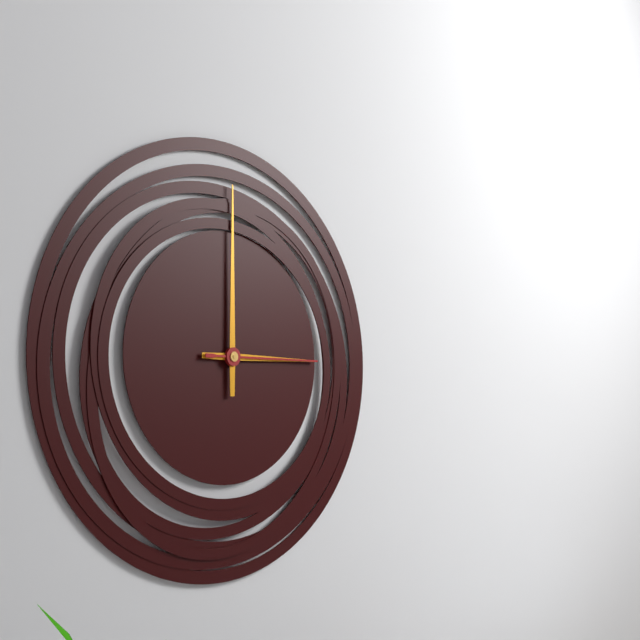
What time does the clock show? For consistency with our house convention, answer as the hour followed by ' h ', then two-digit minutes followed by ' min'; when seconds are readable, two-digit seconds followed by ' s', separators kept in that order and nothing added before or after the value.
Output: 3 h 00 min 15 s
